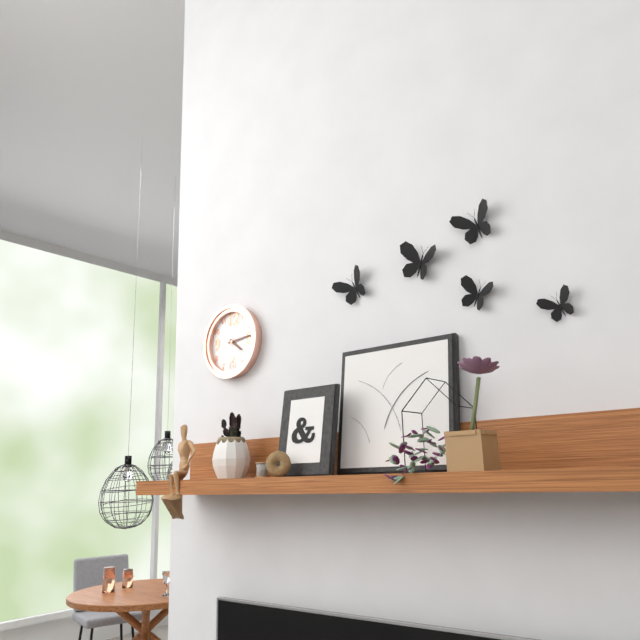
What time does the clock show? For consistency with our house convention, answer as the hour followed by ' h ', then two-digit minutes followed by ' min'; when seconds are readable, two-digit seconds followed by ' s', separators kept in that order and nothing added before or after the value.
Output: 4 h 14 min
